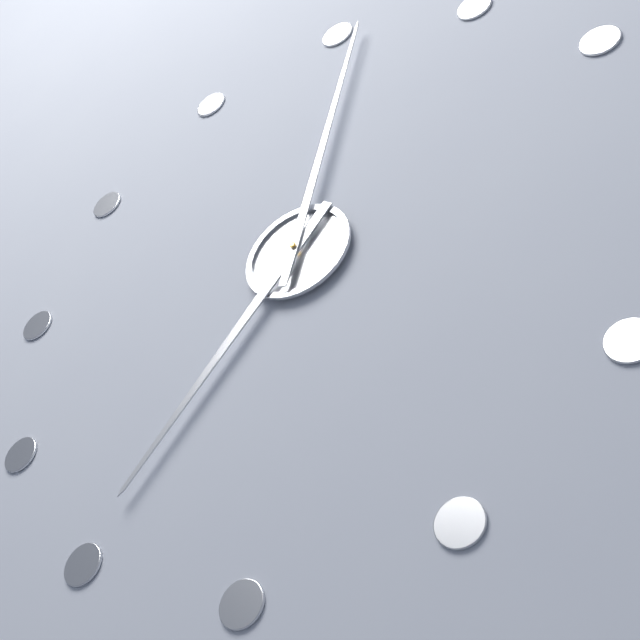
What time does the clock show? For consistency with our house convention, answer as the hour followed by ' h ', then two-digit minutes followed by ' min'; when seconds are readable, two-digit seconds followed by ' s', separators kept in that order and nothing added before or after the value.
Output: 7 h 01 min
